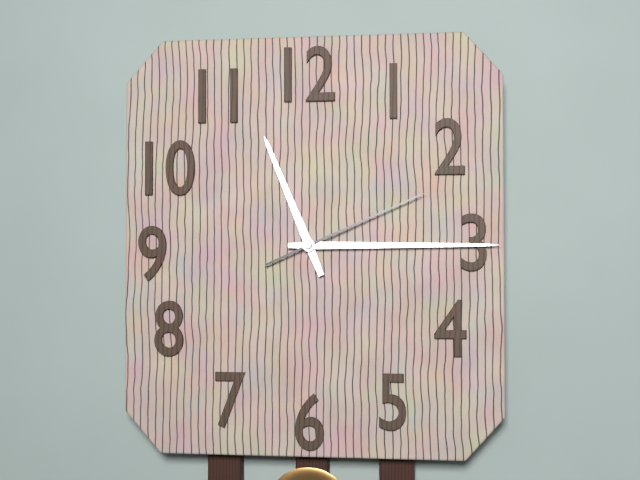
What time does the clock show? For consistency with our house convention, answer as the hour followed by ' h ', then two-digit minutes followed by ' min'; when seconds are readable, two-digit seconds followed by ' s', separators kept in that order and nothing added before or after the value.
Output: 11 h 15 min 11 s
